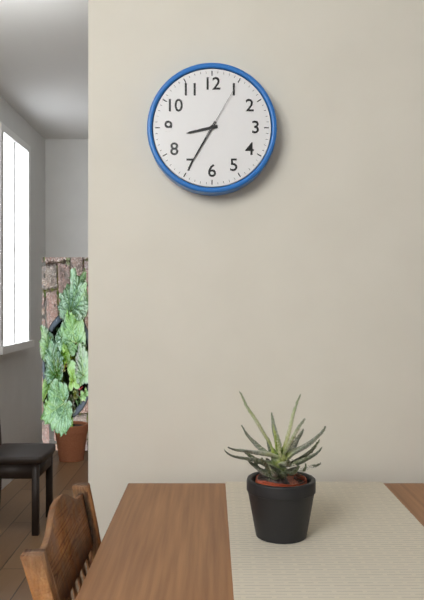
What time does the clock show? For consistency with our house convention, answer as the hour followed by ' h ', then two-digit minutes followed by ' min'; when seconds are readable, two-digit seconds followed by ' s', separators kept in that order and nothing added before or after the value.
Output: 8 h 35 min 05 s
